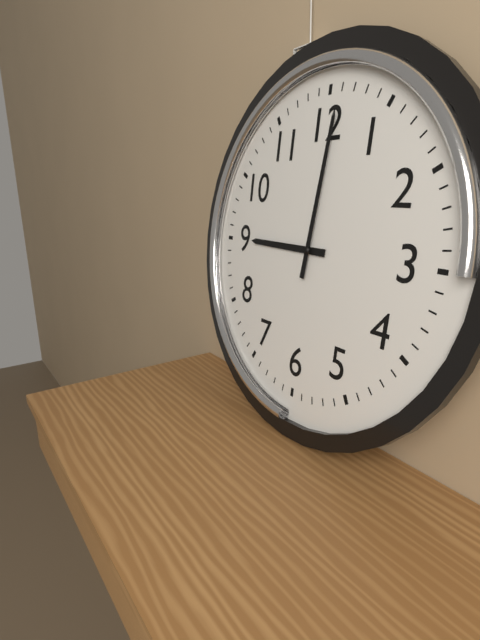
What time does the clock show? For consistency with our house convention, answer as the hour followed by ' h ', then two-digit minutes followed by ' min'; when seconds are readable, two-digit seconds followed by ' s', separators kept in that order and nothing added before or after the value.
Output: 9 h 01 min
